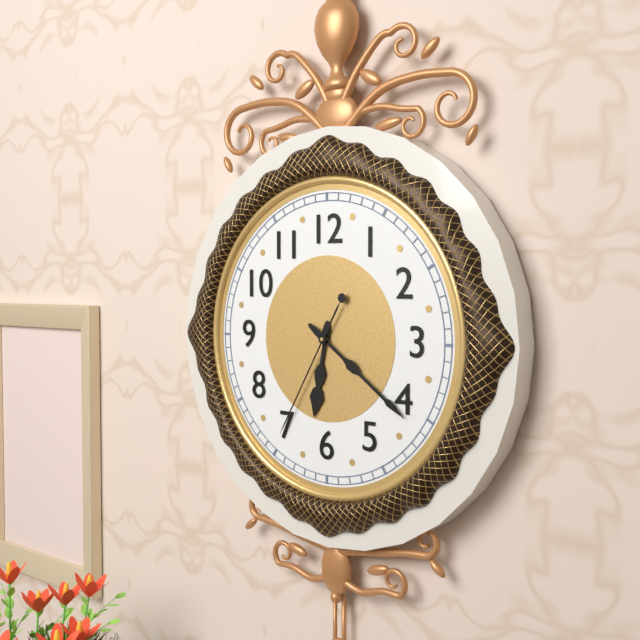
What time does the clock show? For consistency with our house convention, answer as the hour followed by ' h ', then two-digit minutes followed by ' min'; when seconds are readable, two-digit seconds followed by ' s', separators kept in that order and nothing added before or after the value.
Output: 6 h 21 min 35 s
